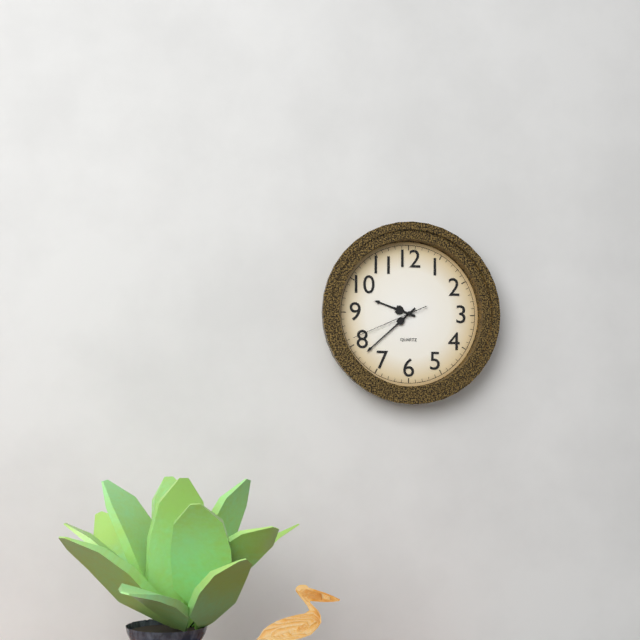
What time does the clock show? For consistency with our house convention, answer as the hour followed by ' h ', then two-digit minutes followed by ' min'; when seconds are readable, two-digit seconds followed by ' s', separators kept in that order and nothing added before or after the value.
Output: 9 h 38 min 41 s
